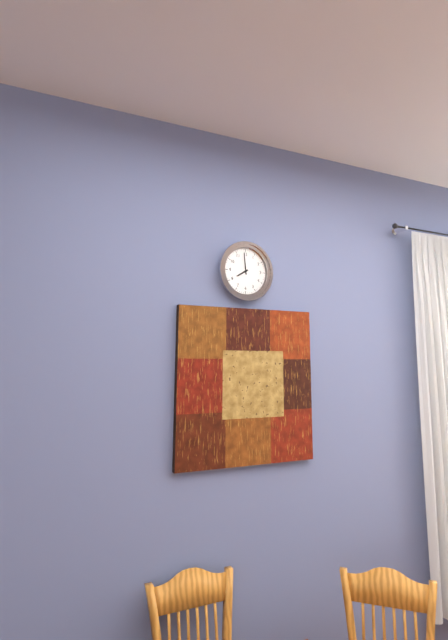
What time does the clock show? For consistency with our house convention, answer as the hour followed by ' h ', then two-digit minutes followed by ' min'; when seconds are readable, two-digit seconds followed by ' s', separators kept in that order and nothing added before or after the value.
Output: 7 h 59 min
